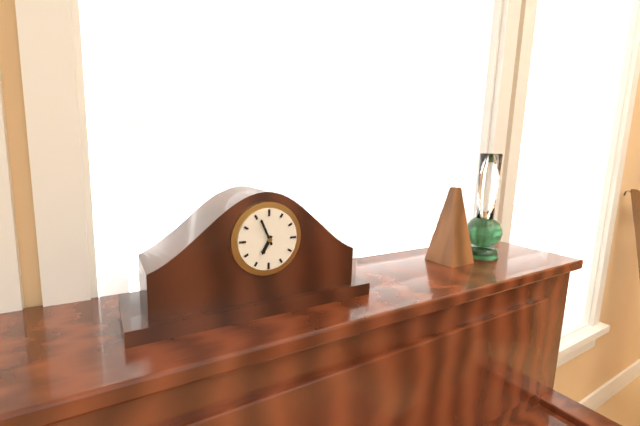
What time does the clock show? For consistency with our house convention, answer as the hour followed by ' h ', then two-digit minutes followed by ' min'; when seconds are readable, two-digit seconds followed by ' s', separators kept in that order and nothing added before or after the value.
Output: 6 h 56 min
